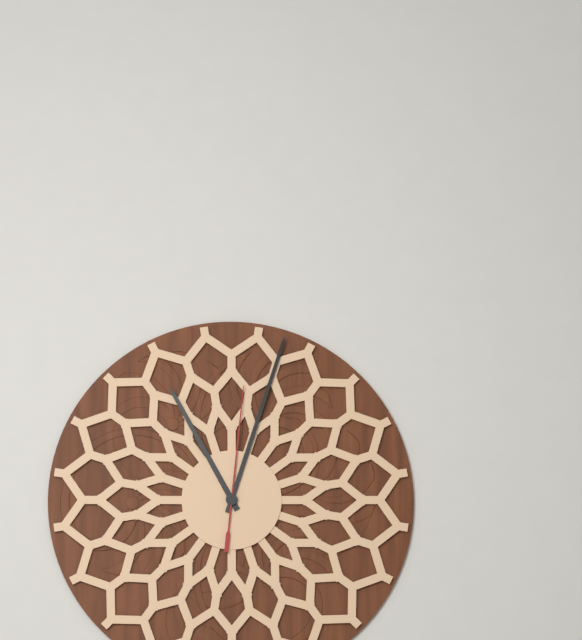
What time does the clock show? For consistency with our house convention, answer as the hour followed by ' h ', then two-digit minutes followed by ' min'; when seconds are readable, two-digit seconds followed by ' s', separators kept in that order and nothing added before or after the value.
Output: 11 h 03 min 01 s
